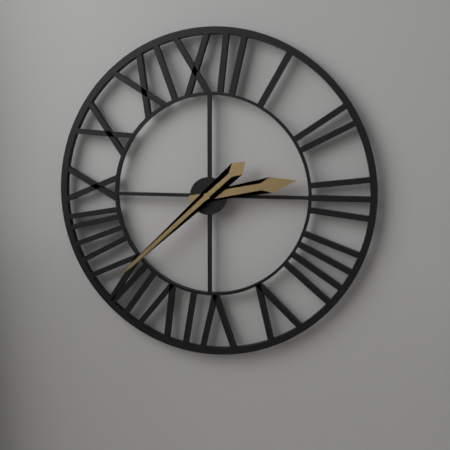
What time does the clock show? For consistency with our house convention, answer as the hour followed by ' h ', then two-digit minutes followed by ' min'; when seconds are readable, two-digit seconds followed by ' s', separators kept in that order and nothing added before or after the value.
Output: 2 h 38 min
